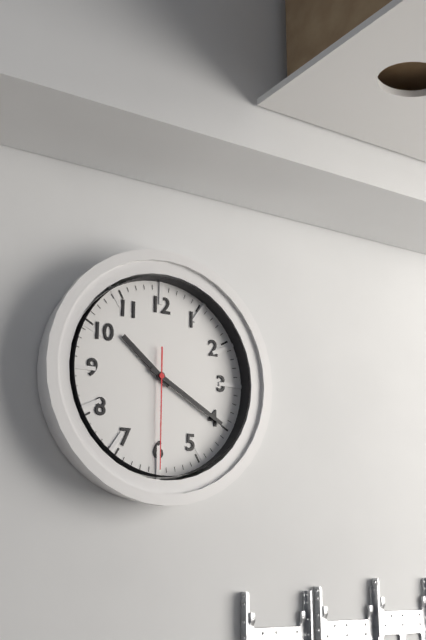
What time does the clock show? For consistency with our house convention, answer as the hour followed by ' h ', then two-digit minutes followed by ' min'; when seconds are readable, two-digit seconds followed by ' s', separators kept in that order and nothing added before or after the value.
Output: 10 h 20 min 30 s
